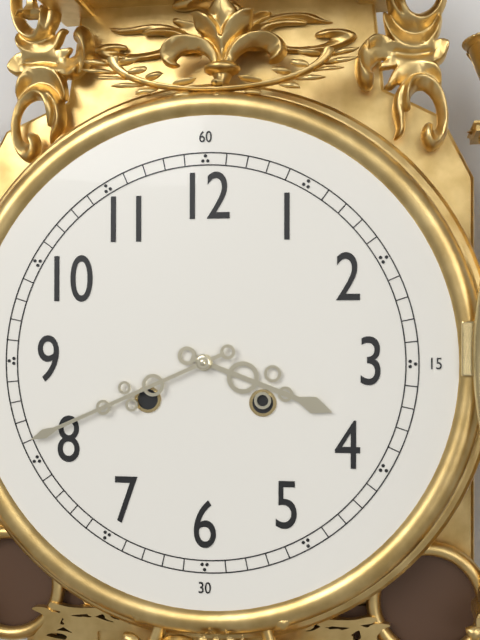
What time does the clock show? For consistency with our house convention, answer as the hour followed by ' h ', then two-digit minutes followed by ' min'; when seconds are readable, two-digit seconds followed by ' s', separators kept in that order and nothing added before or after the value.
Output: 3 h 41 min
